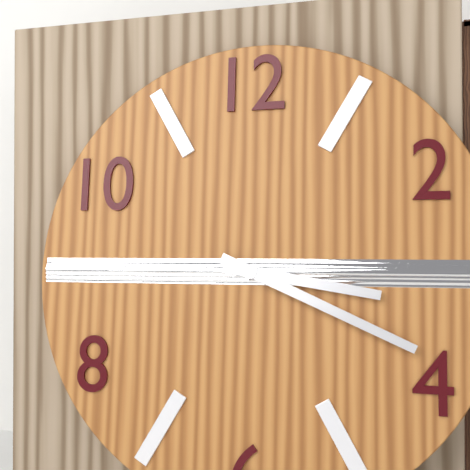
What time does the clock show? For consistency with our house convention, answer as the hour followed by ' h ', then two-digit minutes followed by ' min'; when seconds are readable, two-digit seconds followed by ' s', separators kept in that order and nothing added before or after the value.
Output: 3 h 19 min
